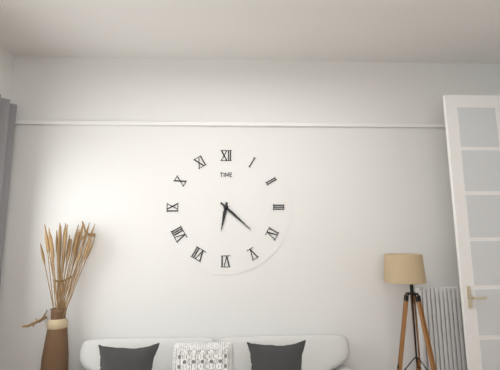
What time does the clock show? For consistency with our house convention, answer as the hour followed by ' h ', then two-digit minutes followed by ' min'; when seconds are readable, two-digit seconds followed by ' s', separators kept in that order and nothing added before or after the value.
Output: 6 h 22 min
